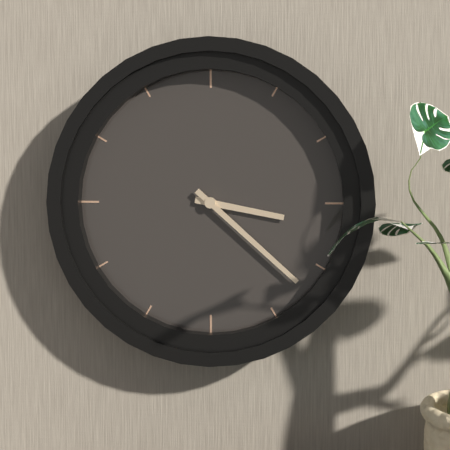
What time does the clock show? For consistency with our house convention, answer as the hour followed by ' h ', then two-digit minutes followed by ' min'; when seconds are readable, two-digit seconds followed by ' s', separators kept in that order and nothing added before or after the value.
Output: 3 h 22 min
